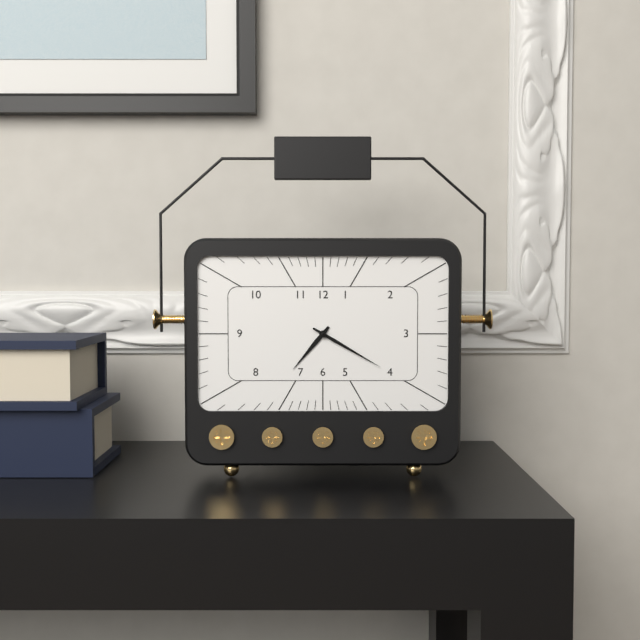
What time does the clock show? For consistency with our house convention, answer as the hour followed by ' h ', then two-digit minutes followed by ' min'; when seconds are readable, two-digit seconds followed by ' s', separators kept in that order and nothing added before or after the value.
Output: 7 h 20 min
